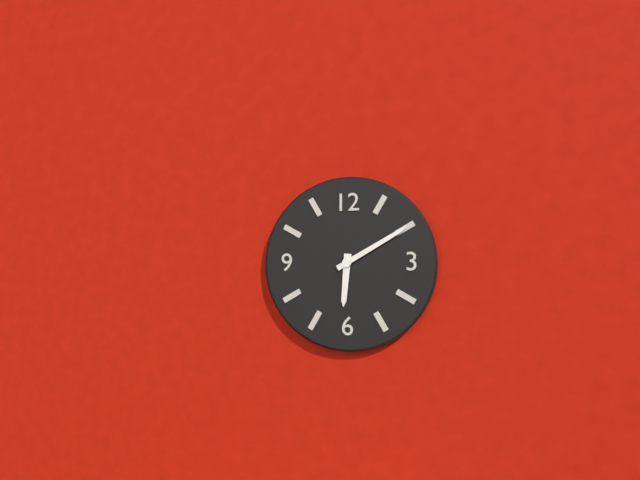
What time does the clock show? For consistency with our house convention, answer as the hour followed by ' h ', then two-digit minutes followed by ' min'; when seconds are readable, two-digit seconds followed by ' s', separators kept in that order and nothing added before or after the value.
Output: 6 h 10 min
